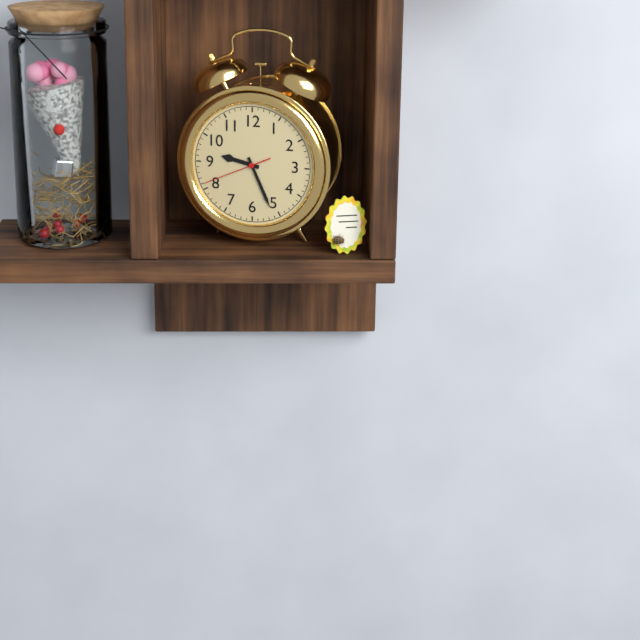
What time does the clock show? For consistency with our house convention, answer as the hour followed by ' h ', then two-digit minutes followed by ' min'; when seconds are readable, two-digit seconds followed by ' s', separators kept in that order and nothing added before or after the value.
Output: 9 h 26 min 41 s
